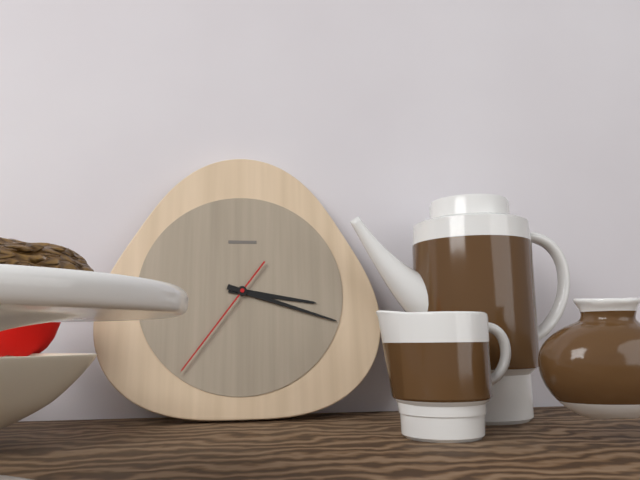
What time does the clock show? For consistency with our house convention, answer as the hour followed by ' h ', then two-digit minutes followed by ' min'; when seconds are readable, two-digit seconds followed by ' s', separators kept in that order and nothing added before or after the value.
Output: 3 h 18 min 36 s
